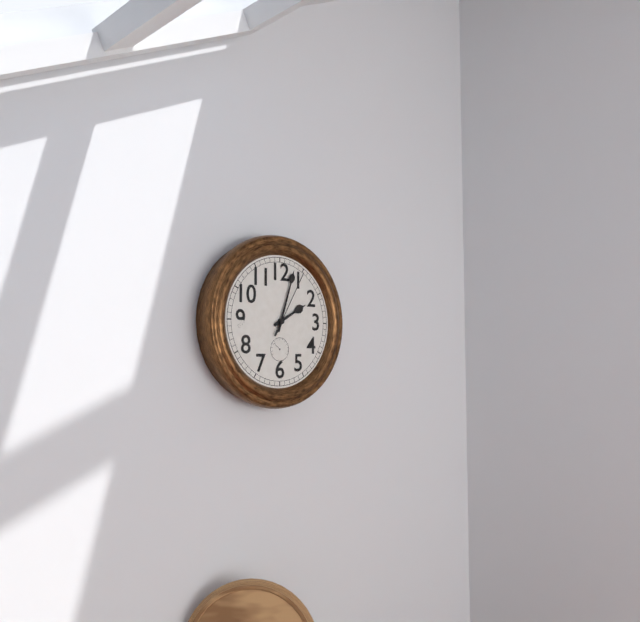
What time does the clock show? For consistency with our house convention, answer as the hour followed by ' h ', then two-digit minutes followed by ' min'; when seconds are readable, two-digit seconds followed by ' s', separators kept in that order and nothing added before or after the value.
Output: 2 h 03 min 05 s
